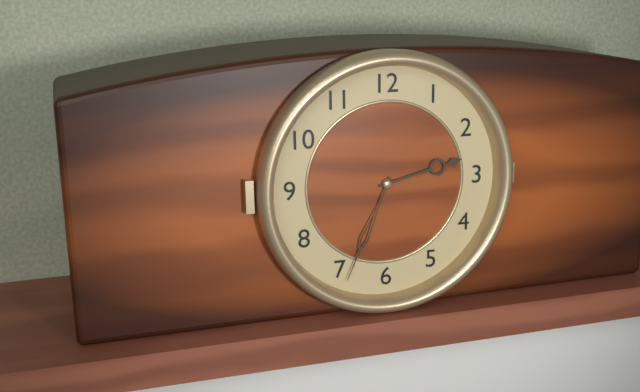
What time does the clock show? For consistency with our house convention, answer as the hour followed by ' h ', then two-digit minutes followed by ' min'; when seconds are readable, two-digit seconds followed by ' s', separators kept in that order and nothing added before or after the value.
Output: 2 h 34 min
